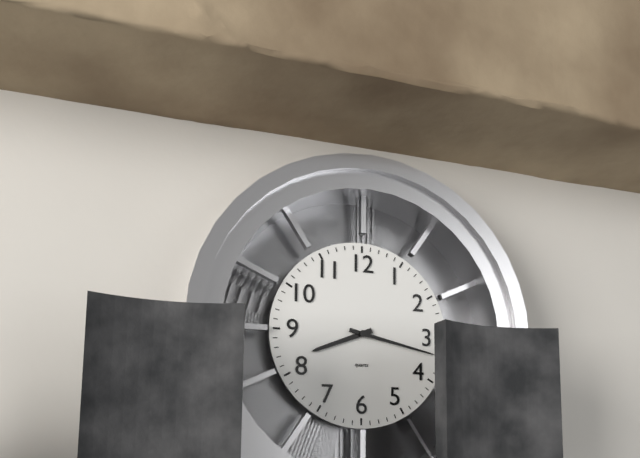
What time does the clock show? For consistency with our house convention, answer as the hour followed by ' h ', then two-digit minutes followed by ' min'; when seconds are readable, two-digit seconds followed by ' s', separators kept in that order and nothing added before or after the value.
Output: 8 h 17 min
